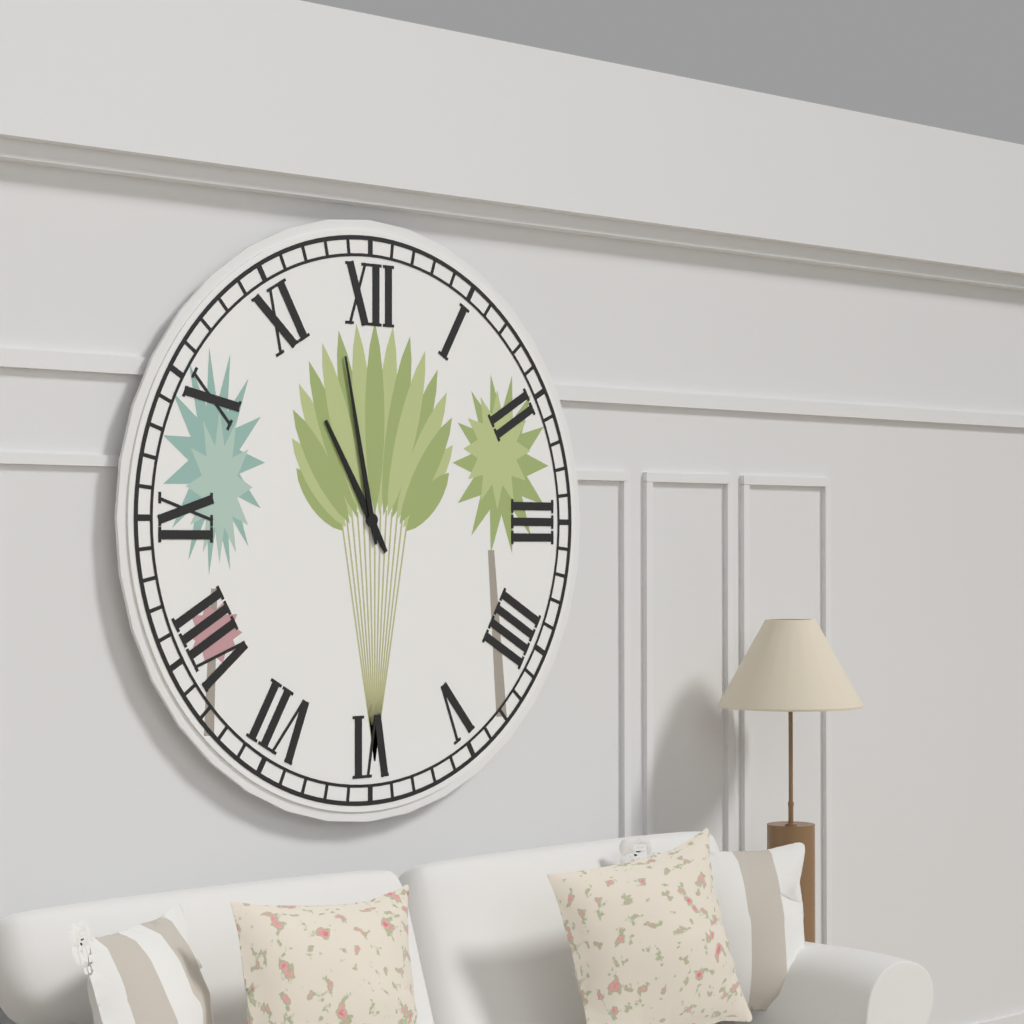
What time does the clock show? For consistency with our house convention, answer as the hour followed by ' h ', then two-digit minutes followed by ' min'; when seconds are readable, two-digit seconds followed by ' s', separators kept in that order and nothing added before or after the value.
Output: 10 h 58 min
